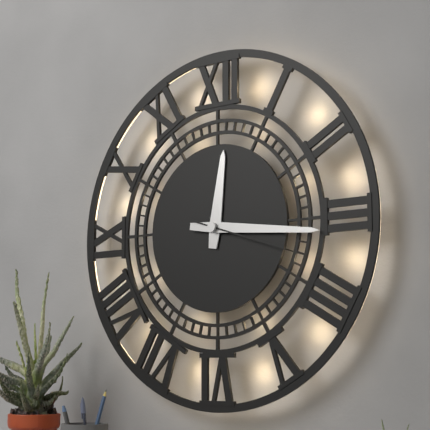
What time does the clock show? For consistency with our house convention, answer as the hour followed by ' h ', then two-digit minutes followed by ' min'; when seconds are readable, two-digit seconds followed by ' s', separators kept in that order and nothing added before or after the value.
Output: 12 h 16 min 18 s
